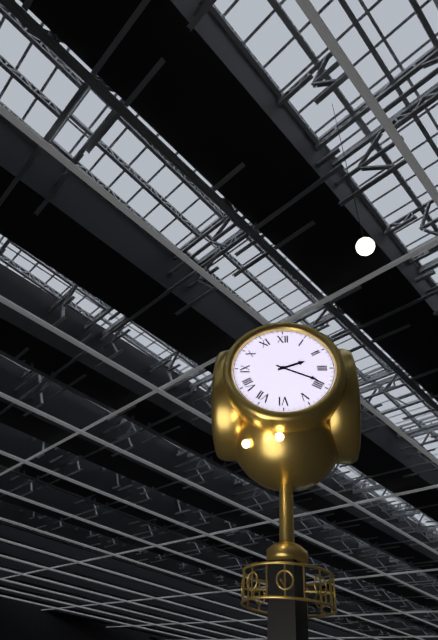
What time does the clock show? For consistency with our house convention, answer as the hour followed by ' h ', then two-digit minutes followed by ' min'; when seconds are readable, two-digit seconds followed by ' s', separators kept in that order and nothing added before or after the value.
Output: 2 h 19 min
